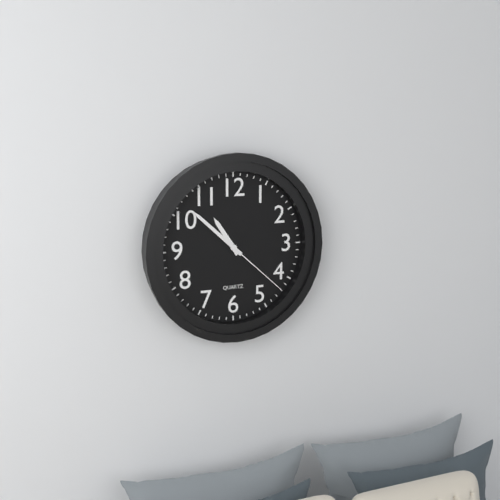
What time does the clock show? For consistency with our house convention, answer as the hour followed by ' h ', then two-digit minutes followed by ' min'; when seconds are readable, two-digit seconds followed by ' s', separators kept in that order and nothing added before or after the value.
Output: 10 h 52 min 22 s
